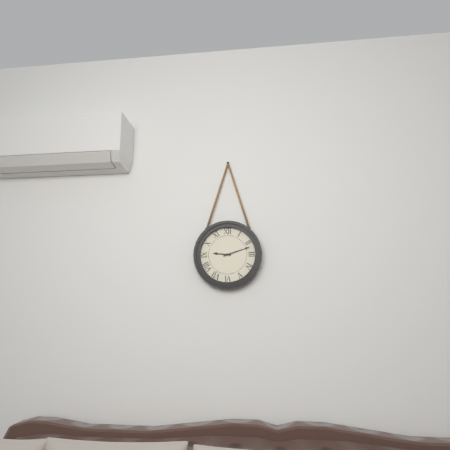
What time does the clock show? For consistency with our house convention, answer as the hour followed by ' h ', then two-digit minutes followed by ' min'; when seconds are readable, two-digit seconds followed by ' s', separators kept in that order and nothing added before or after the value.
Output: 9 h 12 min
